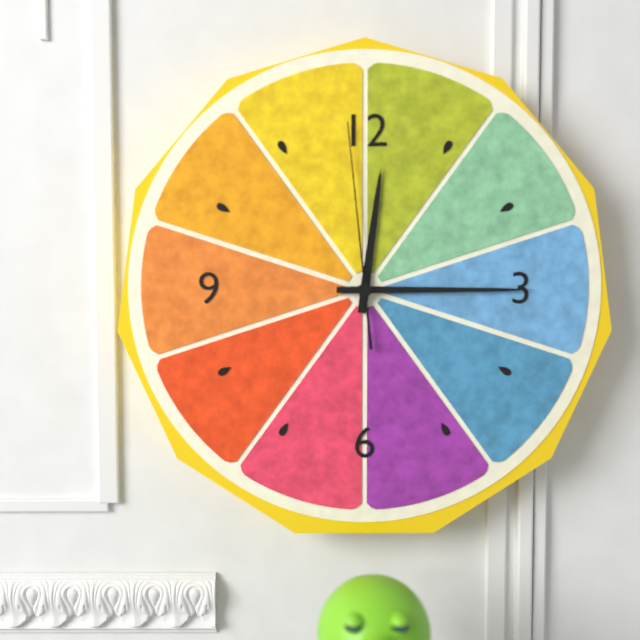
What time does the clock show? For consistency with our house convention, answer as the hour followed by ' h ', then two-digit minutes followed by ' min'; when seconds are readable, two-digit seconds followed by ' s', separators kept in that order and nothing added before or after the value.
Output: 12 h 15 min 59 s
